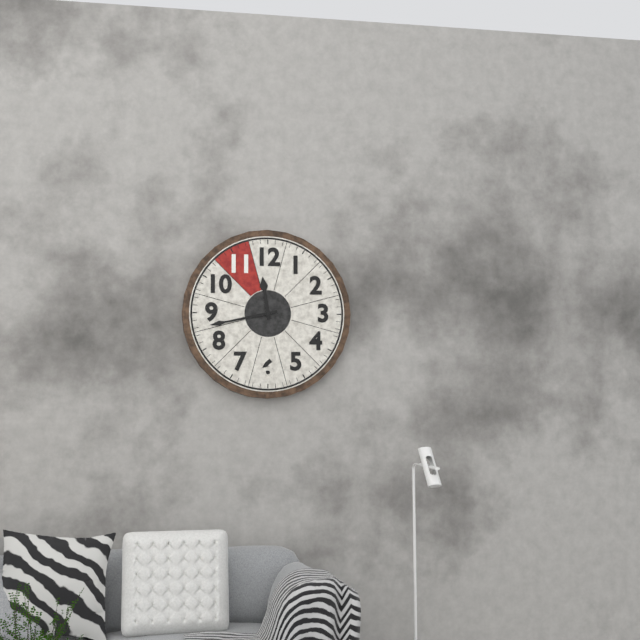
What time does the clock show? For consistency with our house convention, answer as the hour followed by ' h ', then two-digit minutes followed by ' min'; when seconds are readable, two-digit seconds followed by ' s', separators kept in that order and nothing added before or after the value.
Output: 11 h 43 min
